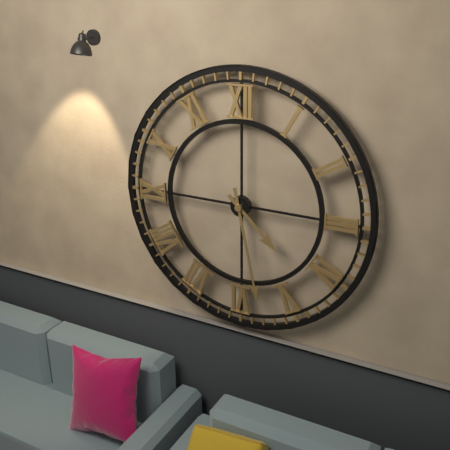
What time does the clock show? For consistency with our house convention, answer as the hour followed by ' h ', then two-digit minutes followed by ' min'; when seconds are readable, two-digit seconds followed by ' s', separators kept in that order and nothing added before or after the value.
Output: 4 h 28 min
